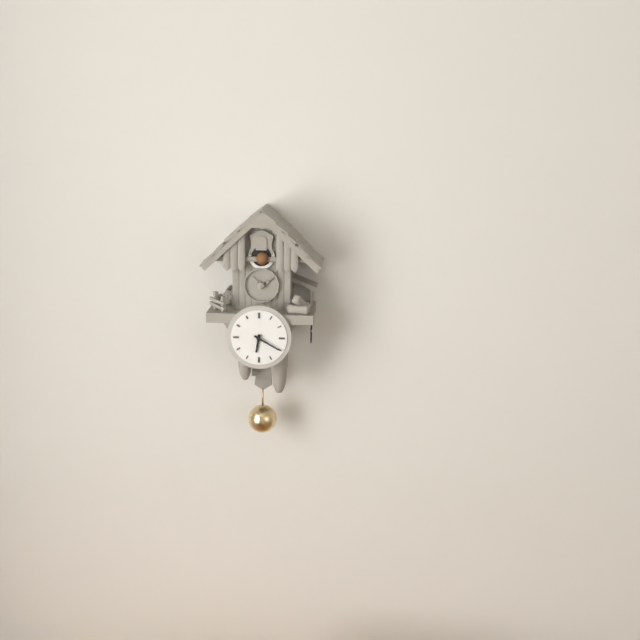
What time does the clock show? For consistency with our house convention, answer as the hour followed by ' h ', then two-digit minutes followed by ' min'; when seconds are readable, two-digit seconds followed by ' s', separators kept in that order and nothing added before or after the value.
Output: 6 h 20 min
